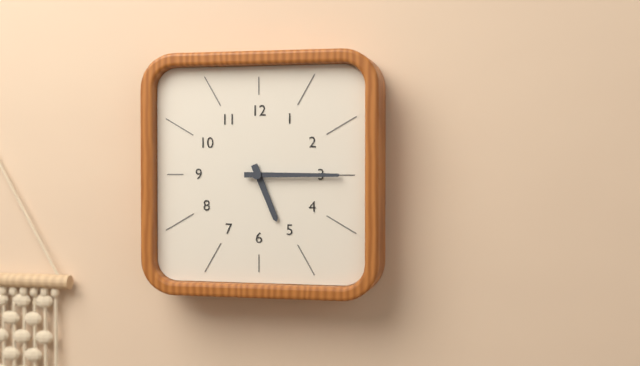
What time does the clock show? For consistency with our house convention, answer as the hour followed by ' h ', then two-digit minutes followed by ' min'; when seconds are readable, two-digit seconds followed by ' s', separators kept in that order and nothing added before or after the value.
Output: 5 h 15 min
